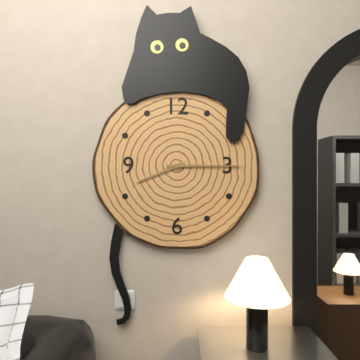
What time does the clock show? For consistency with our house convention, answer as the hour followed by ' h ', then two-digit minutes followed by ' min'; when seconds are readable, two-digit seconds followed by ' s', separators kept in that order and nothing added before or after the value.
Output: 8 h 15 min
